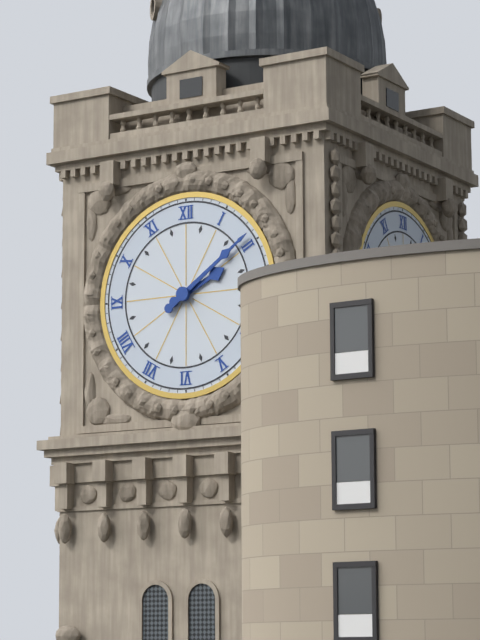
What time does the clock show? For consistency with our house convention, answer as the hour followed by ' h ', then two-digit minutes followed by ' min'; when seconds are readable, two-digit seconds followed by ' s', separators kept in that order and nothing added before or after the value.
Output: 2 h 09 min
